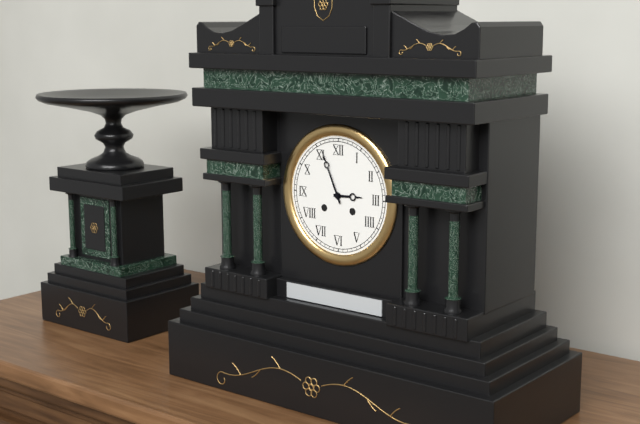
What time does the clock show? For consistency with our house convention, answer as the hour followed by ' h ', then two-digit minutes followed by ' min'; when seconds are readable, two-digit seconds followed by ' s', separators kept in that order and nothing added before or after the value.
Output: 2 h 56 min
